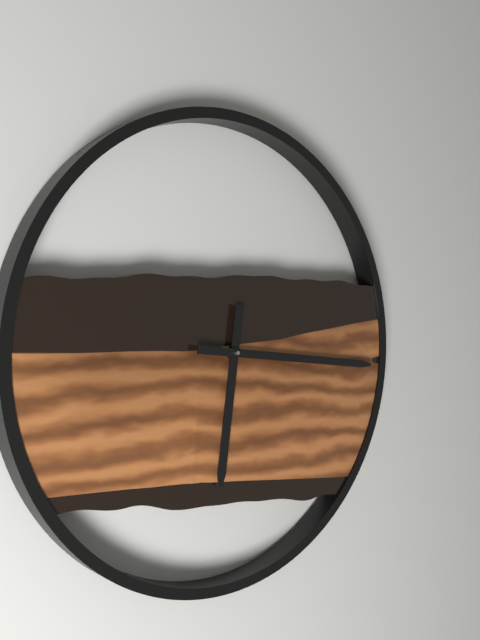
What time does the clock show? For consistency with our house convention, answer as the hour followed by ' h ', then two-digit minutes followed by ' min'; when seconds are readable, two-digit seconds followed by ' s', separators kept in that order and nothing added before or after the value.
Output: 6 h 16 min
